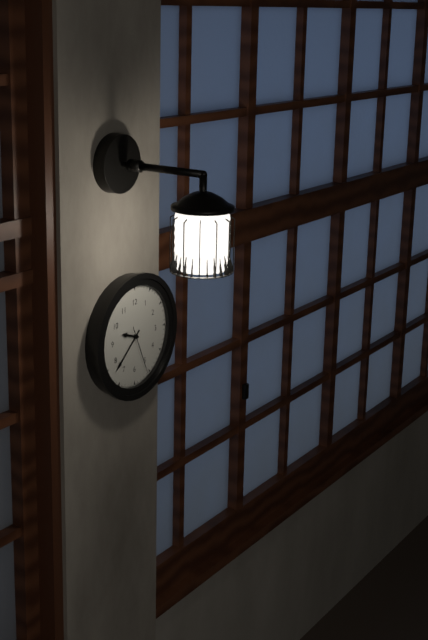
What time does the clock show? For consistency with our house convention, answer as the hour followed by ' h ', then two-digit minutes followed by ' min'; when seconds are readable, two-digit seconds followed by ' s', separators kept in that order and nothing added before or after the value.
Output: 9 h 38 min
